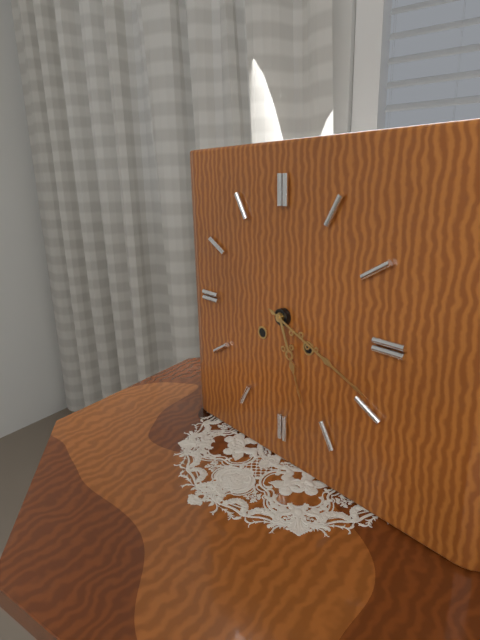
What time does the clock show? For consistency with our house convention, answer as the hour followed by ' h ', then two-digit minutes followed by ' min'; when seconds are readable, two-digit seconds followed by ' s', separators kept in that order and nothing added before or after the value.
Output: 5 h 19 min
